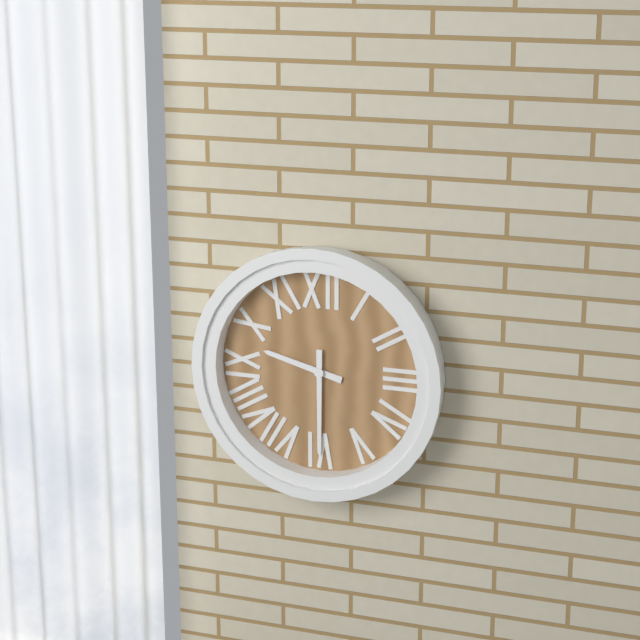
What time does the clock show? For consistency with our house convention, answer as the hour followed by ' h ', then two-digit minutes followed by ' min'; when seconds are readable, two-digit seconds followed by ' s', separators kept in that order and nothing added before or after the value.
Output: 9 h 30 min
